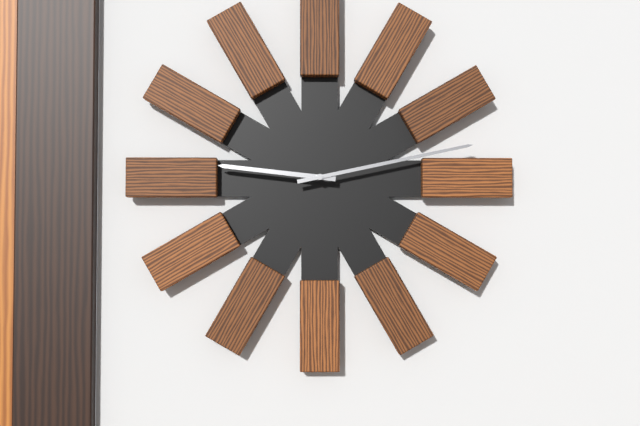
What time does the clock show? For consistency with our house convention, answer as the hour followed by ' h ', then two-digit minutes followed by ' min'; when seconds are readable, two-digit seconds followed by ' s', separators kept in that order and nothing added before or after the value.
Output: 9 h 13 min
